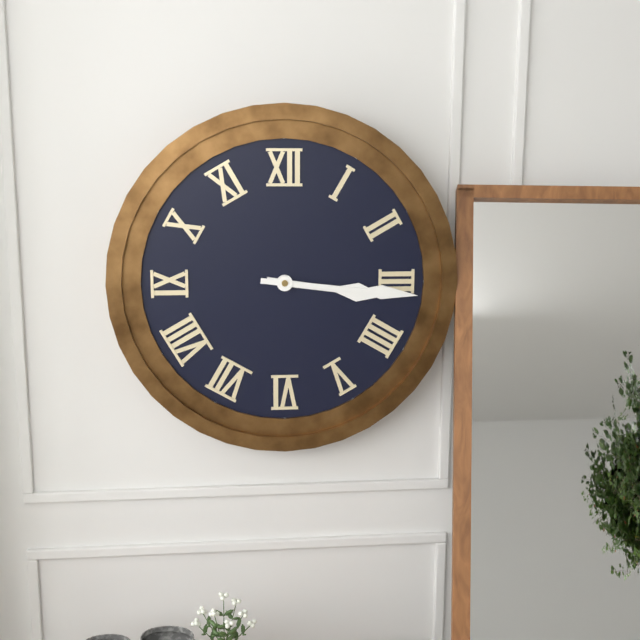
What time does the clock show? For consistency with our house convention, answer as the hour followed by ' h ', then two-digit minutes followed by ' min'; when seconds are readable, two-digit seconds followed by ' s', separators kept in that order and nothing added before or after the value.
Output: 3 h 16 min
